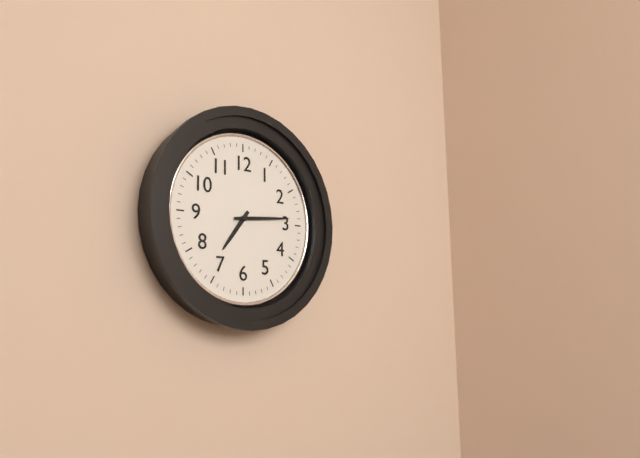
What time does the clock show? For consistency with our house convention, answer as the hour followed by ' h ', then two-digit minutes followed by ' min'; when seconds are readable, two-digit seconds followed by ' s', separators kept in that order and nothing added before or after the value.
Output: 7 h 14 min
